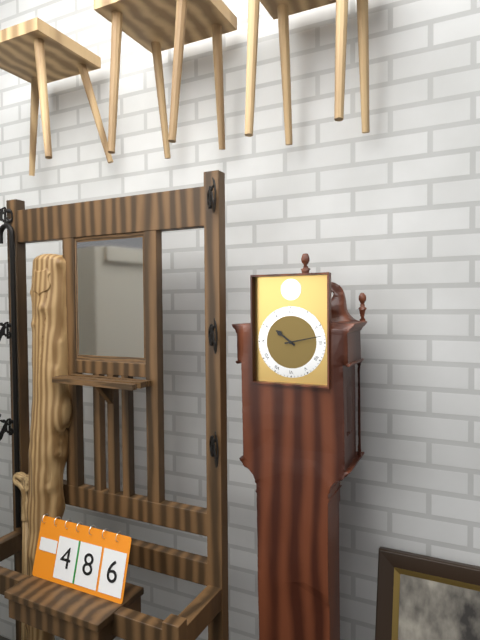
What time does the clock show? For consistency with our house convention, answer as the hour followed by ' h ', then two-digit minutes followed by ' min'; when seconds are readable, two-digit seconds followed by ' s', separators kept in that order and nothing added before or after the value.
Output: 10 h 13 min
